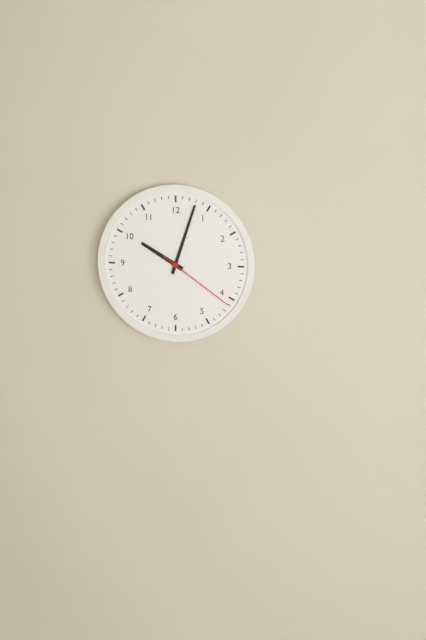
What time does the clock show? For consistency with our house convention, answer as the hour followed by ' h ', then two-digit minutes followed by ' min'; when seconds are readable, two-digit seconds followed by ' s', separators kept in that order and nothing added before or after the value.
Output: 10 h 03 min 21 s
